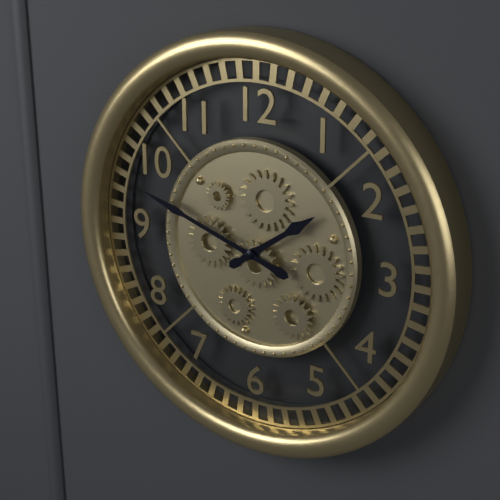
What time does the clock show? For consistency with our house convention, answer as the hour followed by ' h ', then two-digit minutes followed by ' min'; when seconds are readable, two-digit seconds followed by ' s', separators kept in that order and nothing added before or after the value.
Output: 1 h 48 min
